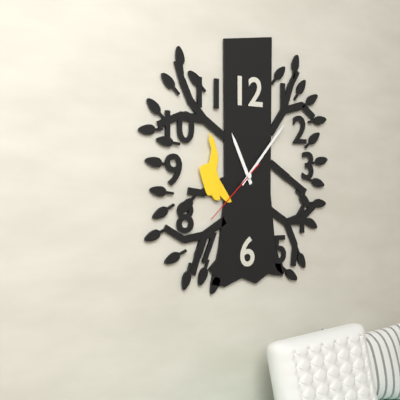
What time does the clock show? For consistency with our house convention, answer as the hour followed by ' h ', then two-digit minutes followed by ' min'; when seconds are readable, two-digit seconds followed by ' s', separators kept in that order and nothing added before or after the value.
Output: 11 h 07 min 38 s
